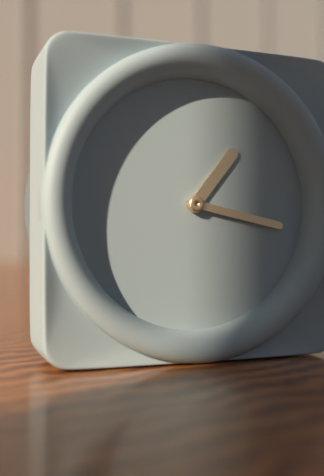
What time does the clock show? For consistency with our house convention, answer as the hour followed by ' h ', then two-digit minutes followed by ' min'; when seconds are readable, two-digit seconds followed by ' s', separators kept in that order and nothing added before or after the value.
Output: 1 h 17 min
